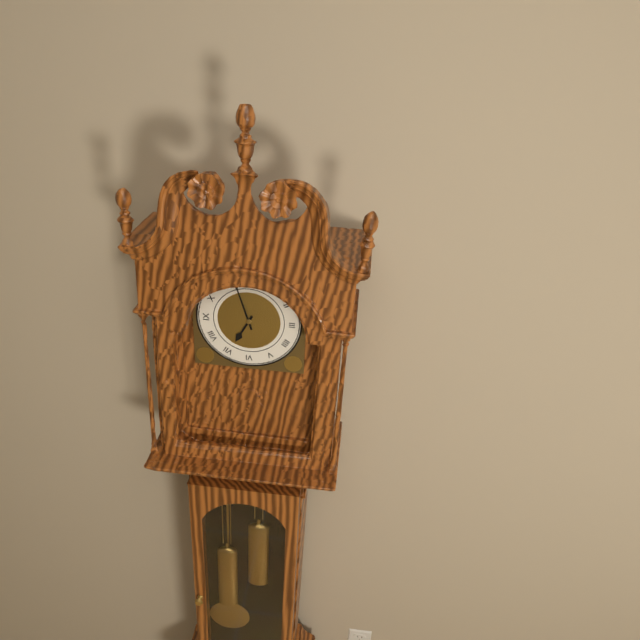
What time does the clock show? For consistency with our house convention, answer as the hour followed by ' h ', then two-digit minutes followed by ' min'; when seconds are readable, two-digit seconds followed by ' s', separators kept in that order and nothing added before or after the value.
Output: 6 h 57 min
